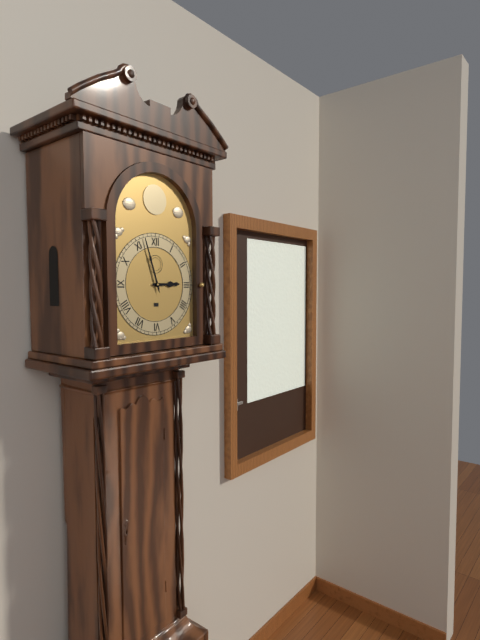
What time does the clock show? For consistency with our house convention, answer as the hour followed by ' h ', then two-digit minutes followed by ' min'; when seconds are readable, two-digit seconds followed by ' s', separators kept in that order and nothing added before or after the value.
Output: 2 h 57 min
